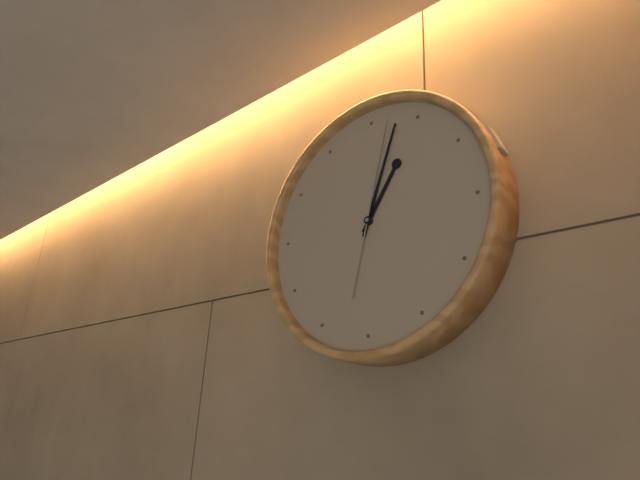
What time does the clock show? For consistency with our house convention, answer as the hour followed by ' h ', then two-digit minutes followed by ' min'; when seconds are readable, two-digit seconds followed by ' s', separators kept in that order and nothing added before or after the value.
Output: 1 h 03 min 02 s
